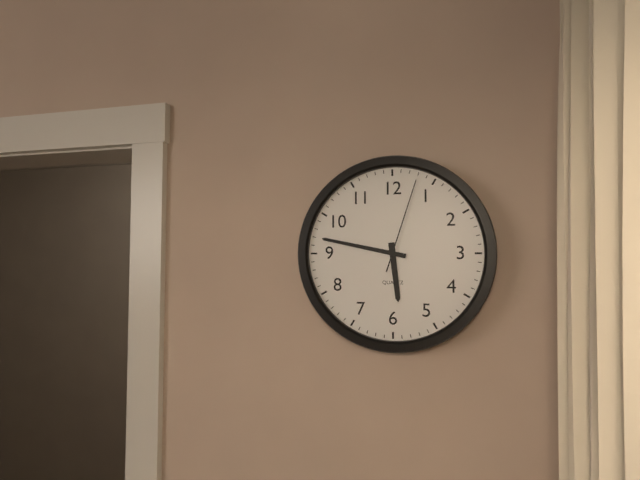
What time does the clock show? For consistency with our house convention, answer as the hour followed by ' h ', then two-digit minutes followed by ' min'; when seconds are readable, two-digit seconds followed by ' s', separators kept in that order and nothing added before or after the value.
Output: 5 h 47 min 03 s
